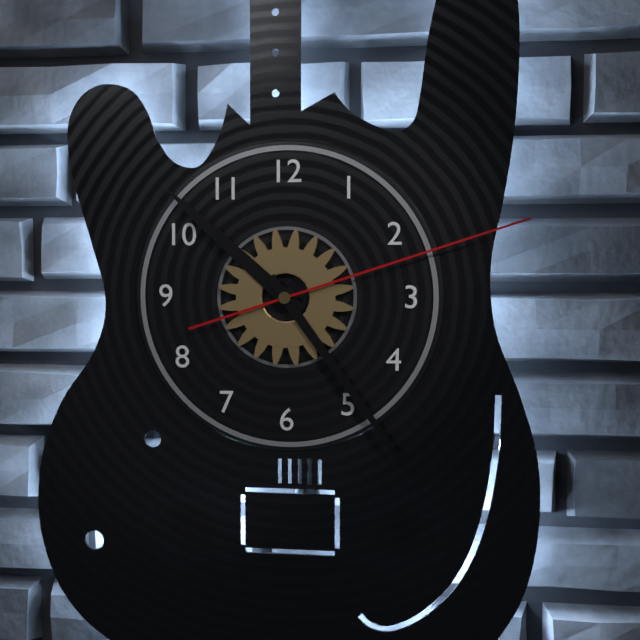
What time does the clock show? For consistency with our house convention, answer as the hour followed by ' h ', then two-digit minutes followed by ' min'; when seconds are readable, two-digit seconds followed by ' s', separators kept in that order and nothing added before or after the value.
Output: 10 h 24 min 12 s
